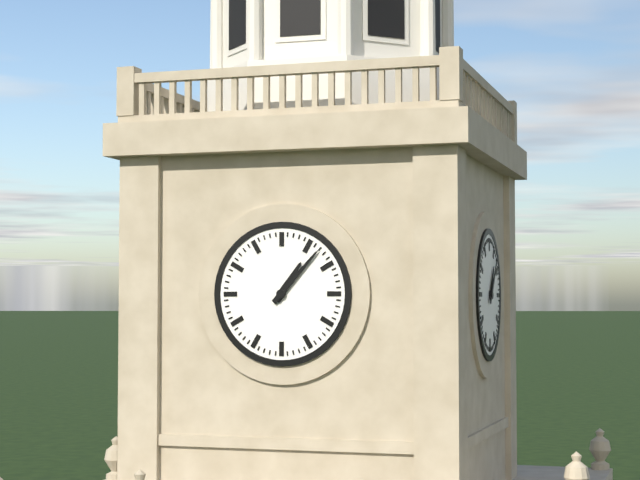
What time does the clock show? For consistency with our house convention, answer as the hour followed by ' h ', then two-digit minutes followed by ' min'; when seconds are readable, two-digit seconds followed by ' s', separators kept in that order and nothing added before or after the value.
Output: 1 h 07 min
